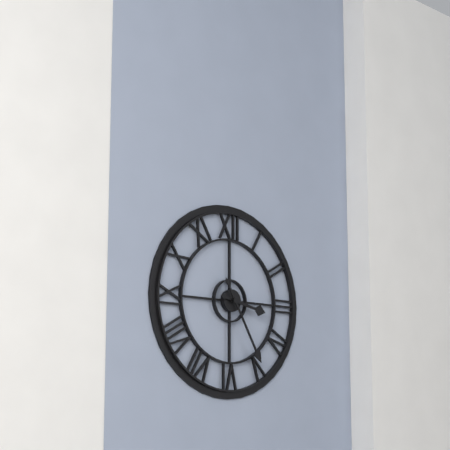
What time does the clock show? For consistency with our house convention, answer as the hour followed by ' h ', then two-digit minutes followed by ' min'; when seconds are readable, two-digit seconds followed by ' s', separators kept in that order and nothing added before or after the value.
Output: 3 h 25 min
